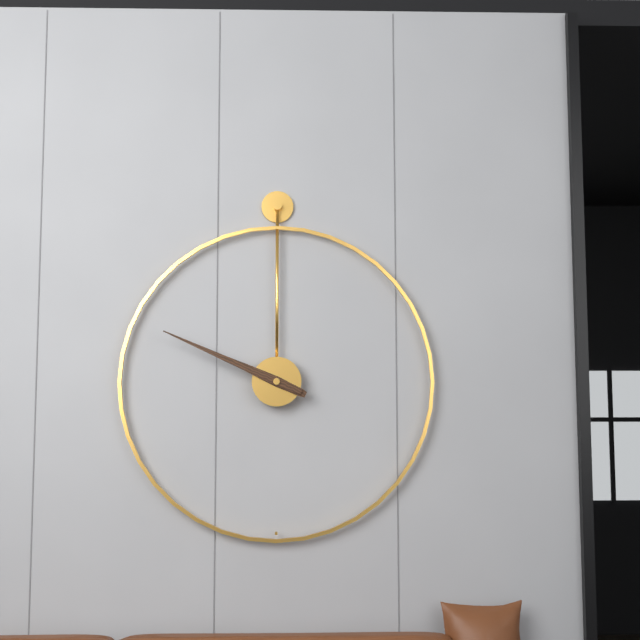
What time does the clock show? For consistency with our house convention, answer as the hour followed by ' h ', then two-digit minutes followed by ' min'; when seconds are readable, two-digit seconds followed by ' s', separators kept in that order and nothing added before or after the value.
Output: 9 h 49 min
